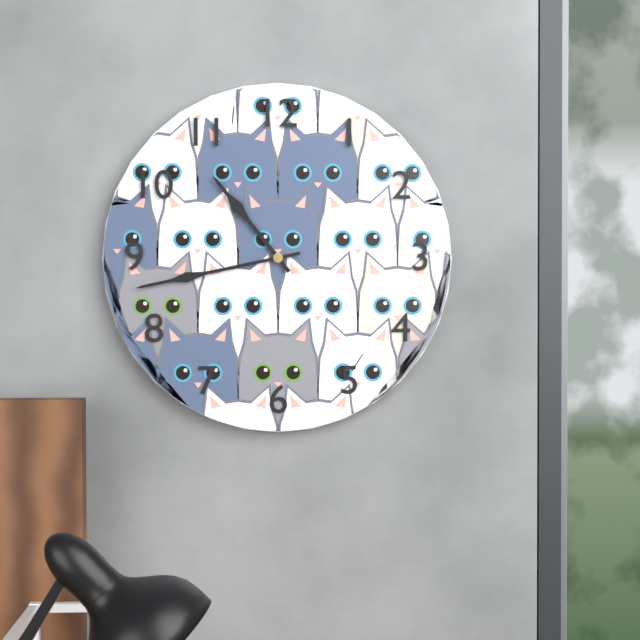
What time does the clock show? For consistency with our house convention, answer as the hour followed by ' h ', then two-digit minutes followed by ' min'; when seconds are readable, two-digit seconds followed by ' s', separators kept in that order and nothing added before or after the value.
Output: 10 h 43 min
